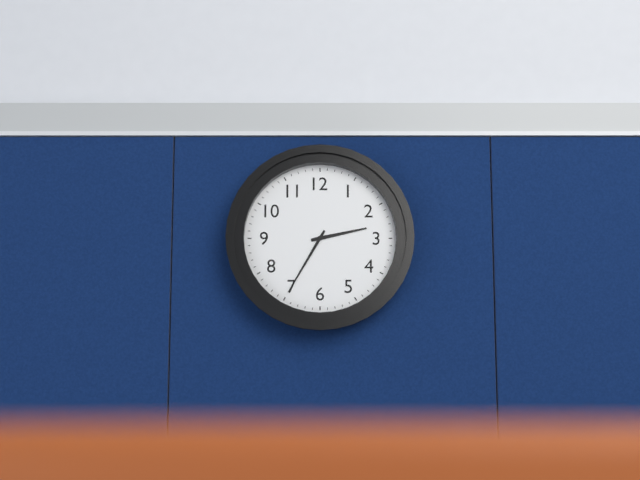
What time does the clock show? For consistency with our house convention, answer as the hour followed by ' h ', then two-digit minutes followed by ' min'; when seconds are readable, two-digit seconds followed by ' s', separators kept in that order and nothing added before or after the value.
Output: 2 h 35 min
